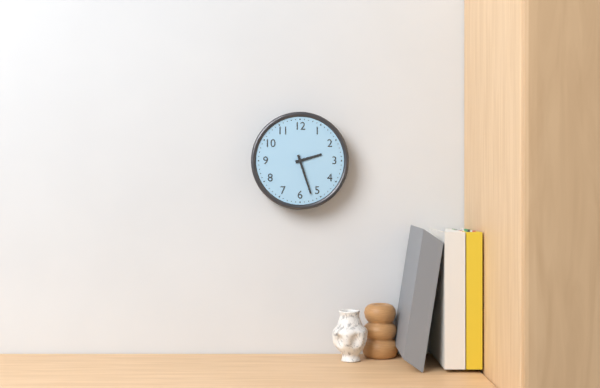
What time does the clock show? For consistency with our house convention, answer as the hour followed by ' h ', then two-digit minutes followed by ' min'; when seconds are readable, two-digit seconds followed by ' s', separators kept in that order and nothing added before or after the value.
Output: 2 h 27 min
